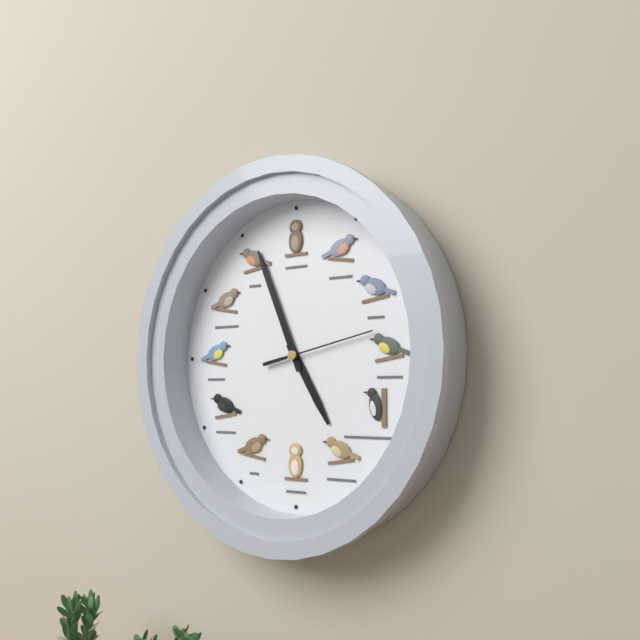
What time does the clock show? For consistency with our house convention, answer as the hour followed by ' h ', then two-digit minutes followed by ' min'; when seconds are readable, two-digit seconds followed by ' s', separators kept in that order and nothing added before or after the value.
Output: 4 h 56 min 13 s
